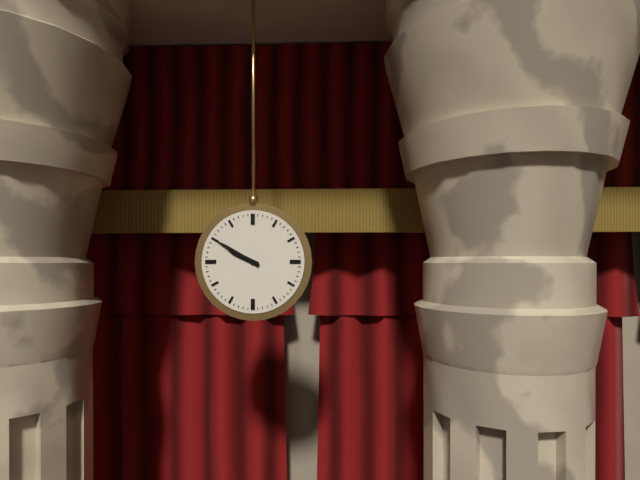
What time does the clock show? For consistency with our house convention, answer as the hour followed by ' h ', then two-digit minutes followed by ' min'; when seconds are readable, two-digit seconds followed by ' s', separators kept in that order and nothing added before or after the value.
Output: 9 h 50 min
